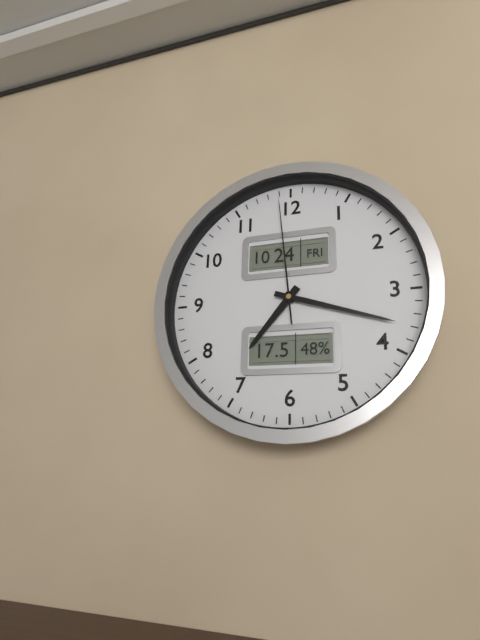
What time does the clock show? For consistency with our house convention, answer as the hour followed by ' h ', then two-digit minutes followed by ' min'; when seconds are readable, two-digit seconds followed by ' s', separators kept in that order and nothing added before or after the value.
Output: 7 h 18 min 59 s
